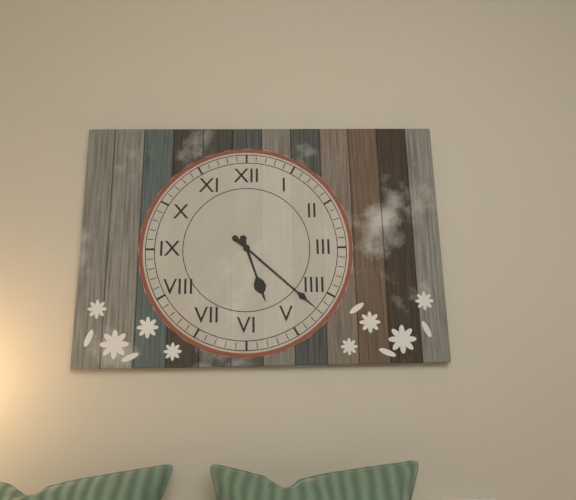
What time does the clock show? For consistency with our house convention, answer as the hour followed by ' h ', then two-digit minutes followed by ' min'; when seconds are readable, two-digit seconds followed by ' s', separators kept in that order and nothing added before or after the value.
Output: 5 h 22 min
